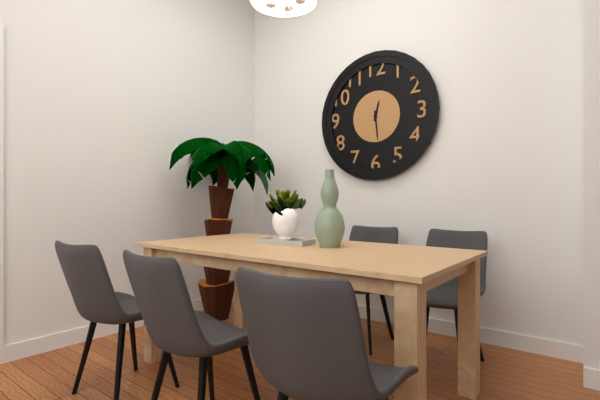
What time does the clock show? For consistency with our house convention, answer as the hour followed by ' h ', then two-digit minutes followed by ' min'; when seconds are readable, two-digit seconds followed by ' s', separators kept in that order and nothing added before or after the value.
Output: 12 h 29 min
